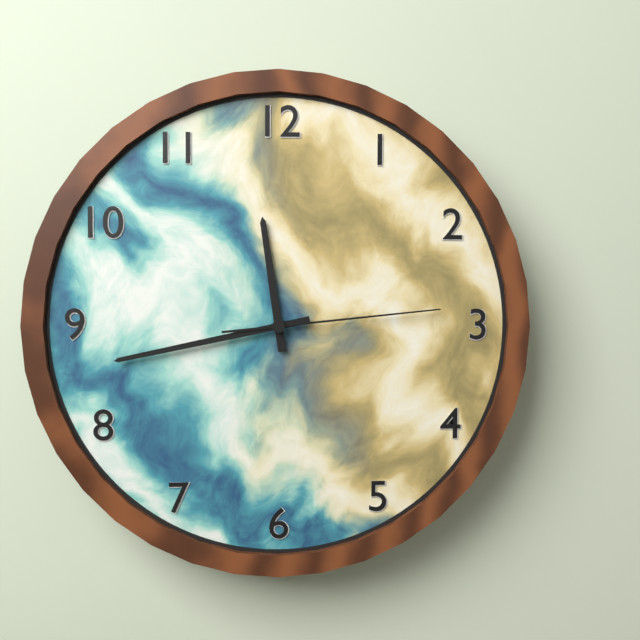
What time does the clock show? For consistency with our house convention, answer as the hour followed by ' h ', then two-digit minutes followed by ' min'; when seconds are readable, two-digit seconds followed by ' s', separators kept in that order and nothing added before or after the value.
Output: 11 h 43 min 14 s
